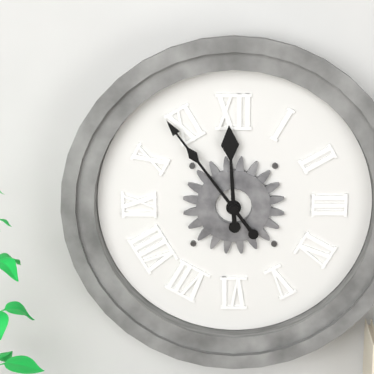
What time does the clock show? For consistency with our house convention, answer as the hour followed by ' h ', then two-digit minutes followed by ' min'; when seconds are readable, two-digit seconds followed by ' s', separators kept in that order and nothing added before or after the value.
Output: 11 h 54 min
